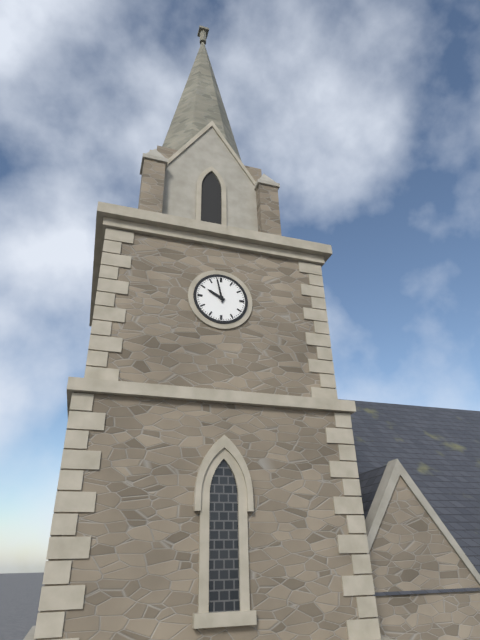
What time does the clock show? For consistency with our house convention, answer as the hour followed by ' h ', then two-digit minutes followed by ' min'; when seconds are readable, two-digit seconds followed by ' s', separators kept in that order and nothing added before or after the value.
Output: 9 h 58 min
